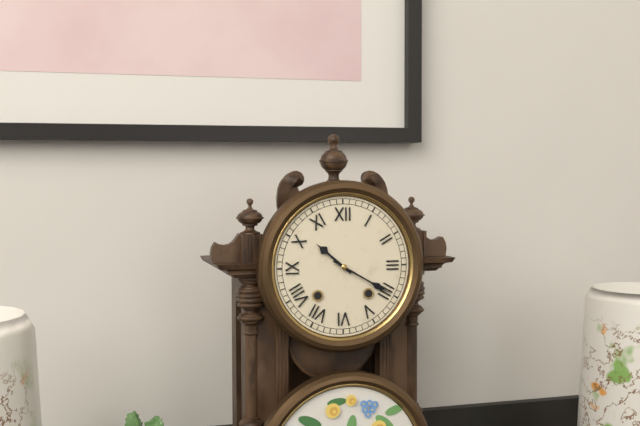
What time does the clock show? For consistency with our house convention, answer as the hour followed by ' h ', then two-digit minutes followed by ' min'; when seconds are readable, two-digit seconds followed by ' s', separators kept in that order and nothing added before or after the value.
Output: 10 h 20 min
